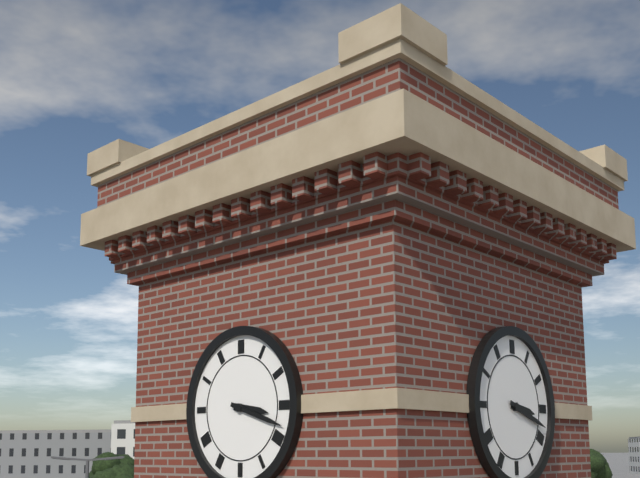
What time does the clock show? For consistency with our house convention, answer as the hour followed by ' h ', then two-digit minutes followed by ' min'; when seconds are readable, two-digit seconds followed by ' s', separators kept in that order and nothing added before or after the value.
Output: 3 h 18 min
